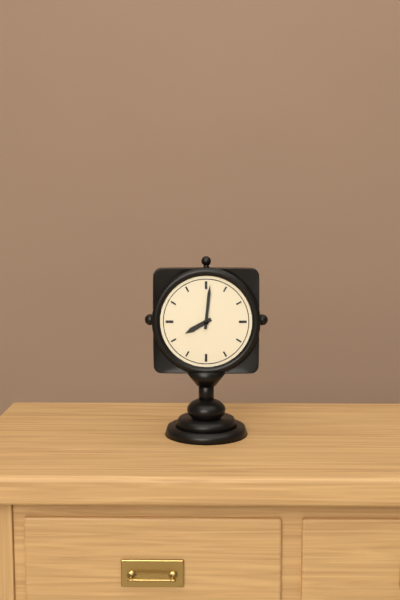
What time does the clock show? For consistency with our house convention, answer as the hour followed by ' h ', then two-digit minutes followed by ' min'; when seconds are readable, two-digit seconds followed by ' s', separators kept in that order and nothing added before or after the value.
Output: 8 h 01 min
